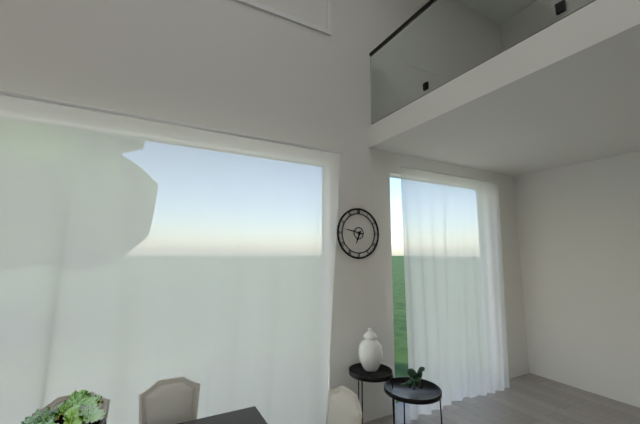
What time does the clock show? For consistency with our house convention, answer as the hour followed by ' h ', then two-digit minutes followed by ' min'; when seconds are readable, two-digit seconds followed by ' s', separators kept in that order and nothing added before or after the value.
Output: 6 h 47 min
